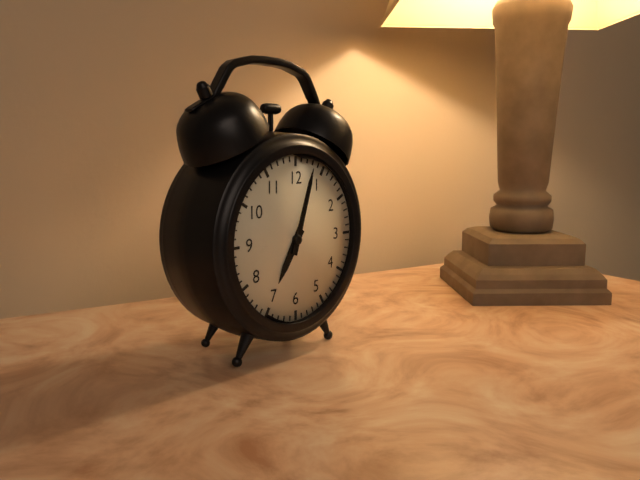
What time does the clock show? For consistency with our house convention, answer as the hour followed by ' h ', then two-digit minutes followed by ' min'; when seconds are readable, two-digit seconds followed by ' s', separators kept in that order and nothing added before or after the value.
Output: 7 h 03 min
